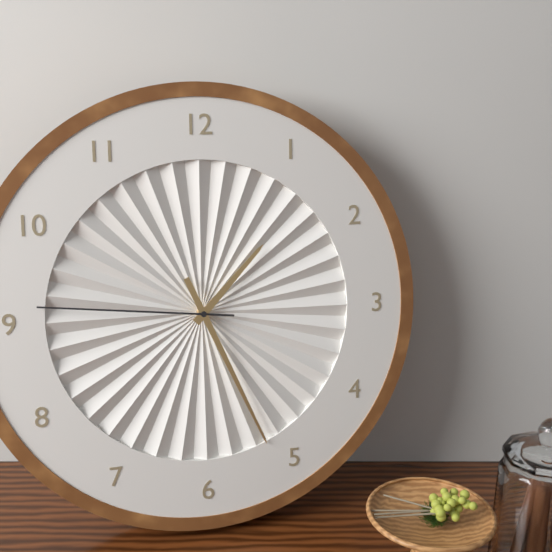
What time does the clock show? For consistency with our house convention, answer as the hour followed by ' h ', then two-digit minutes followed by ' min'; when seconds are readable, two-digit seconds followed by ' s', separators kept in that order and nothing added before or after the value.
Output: 1 h 26 min 46 s
